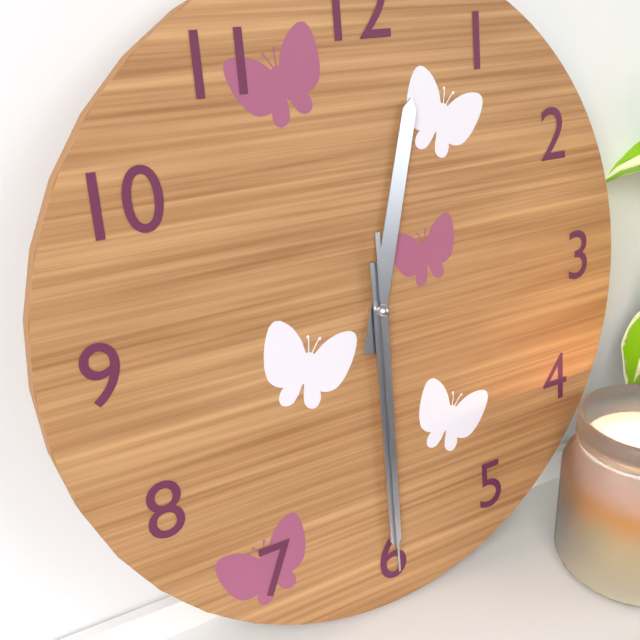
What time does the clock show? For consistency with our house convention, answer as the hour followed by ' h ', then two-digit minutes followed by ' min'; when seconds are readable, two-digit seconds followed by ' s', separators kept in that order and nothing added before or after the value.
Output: 12 h 30 min 30 s
